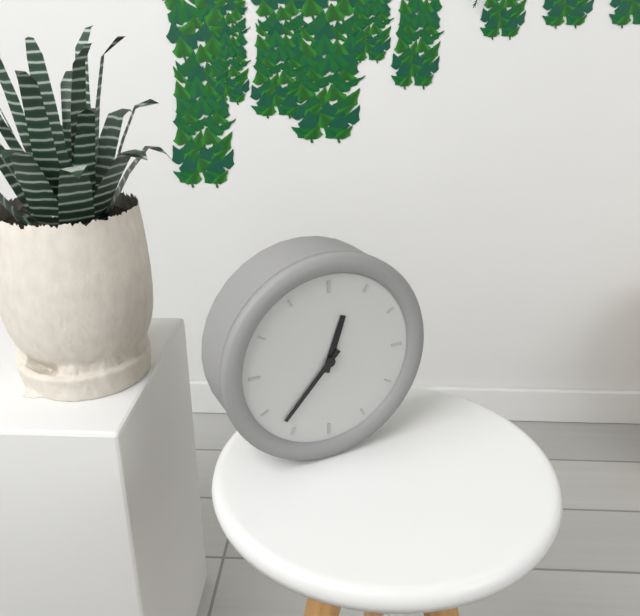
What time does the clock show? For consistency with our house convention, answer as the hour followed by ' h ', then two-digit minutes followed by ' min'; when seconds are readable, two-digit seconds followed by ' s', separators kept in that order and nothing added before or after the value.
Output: 12 h 37 min
